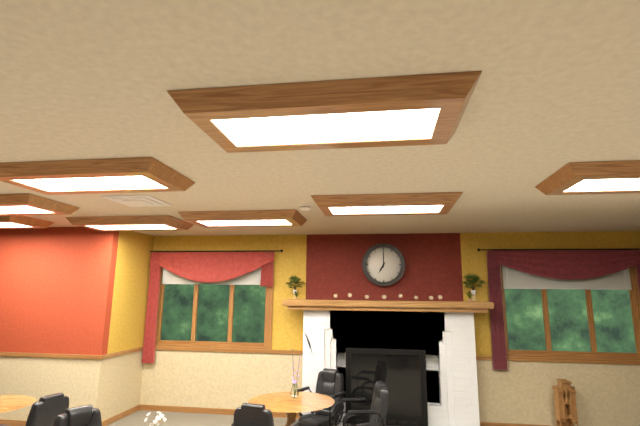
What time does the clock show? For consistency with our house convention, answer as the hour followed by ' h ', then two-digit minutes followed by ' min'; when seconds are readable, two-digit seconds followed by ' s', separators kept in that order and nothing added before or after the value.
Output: 7 h 00 min
